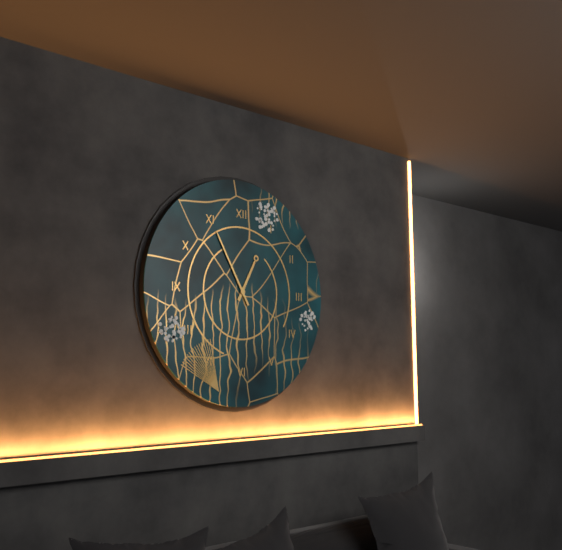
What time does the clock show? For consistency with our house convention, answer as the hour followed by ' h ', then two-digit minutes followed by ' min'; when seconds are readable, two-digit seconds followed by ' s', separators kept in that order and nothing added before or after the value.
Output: 12 h 55 min
